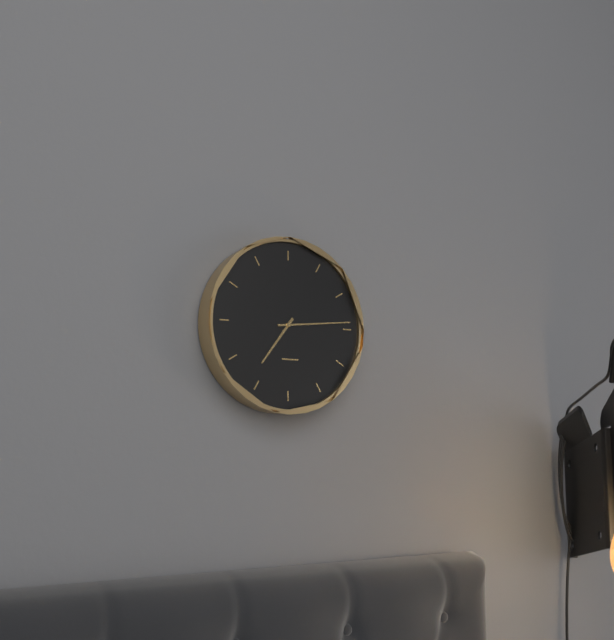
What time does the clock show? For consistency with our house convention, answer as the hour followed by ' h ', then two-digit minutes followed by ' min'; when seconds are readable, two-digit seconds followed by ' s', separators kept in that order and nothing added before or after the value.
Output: 7 h 14 min
